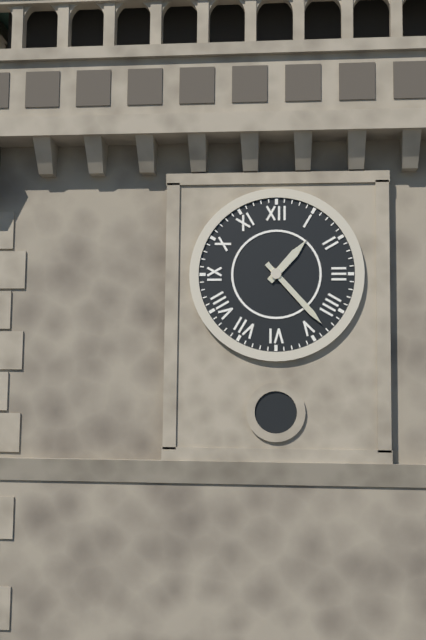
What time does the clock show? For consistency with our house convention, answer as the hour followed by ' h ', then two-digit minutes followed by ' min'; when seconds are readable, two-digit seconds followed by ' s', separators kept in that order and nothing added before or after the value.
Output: 1 h 23 min
